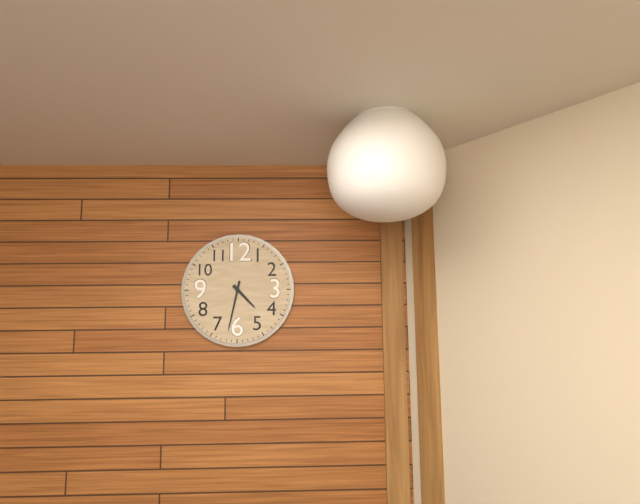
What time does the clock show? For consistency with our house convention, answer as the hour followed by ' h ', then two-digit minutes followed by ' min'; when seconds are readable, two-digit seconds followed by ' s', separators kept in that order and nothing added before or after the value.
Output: 4 h 32 min
